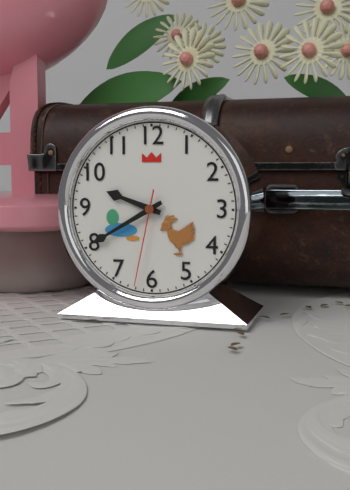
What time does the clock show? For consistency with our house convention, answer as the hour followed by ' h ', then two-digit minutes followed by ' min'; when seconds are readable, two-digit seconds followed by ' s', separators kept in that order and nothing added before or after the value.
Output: 9 h 40 min 32 s
